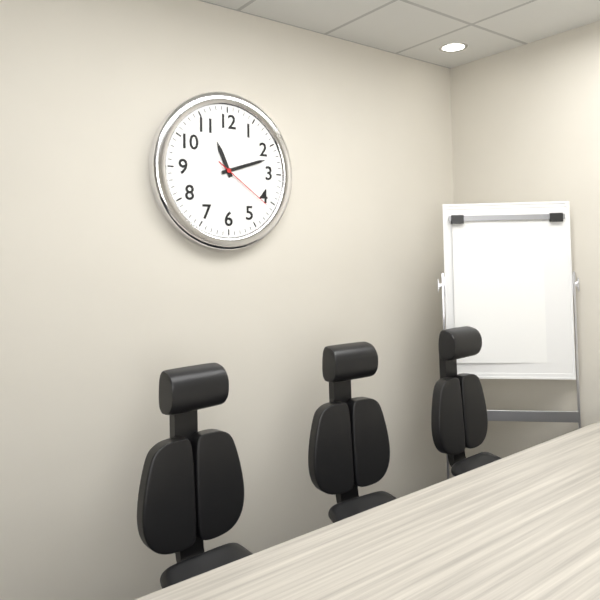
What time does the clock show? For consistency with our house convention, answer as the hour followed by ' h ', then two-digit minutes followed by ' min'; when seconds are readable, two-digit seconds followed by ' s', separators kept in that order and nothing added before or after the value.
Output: 11 h 12 min 21 s
